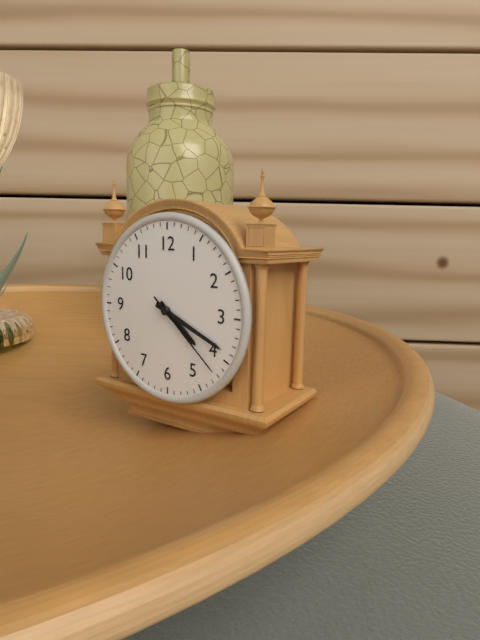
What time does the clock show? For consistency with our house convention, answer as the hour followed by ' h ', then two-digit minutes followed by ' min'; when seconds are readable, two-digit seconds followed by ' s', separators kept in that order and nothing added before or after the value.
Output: 4 h 19 min 22 s
